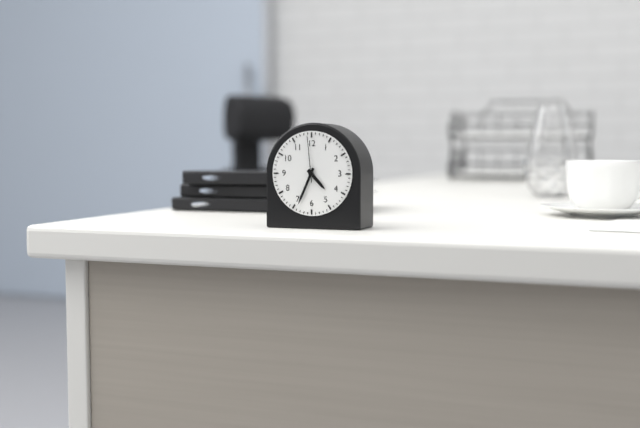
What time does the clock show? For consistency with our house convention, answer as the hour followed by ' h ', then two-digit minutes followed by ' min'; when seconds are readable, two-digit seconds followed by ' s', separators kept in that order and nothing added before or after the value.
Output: 4 h 34 min
